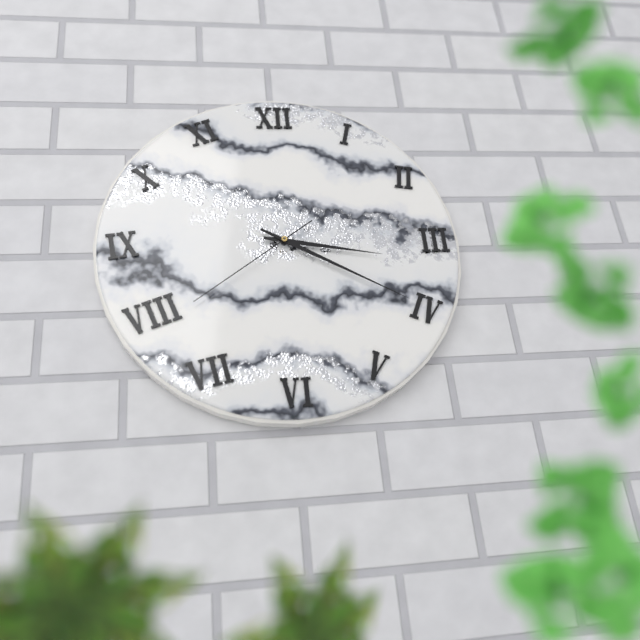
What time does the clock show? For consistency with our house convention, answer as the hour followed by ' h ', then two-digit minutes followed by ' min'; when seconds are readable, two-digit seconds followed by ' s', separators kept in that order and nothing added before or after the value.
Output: 3 h 20 min 39 s
